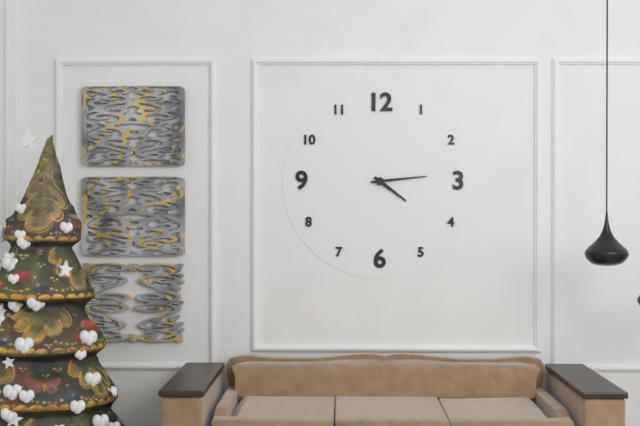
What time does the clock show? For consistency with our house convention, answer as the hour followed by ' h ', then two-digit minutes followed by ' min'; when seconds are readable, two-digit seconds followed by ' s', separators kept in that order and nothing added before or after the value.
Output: 4 h 14 min
